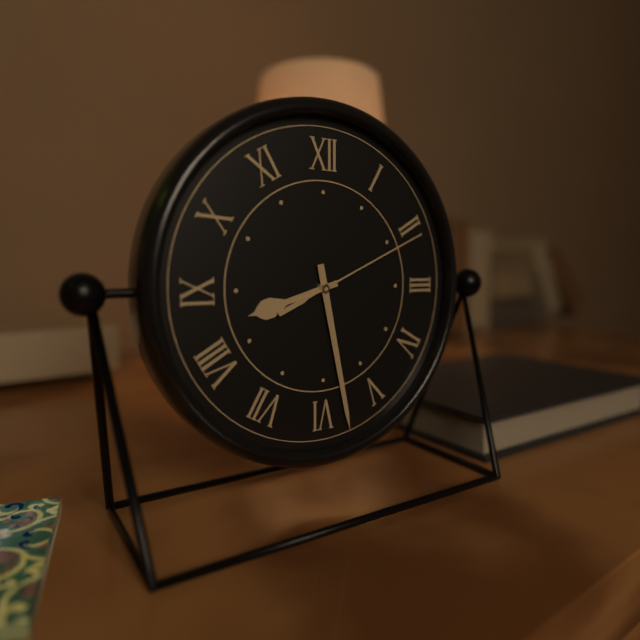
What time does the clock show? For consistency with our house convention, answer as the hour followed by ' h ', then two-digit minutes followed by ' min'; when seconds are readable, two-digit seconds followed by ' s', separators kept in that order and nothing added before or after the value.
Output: 8 h 28 min 11 s
